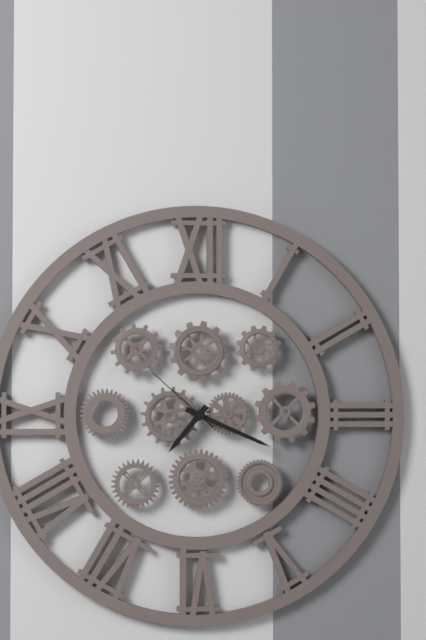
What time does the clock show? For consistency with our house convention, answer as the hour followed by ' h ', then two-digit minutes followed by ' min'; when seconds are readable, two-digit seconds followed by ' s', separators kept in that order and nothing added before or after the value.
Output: 7 h 19 min 52 s
